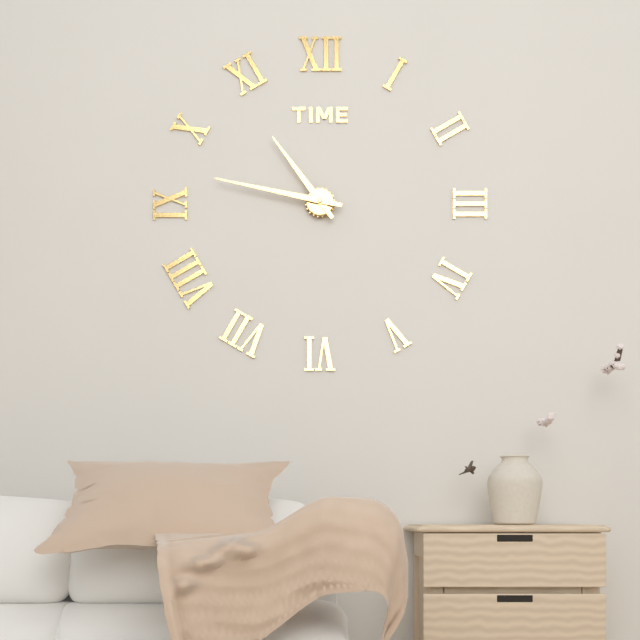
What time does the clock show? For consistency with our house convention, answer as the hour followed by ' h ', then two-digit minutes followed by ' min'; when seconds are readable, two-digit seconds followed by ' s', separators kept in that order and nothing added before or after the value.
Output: 10 h 47 min
